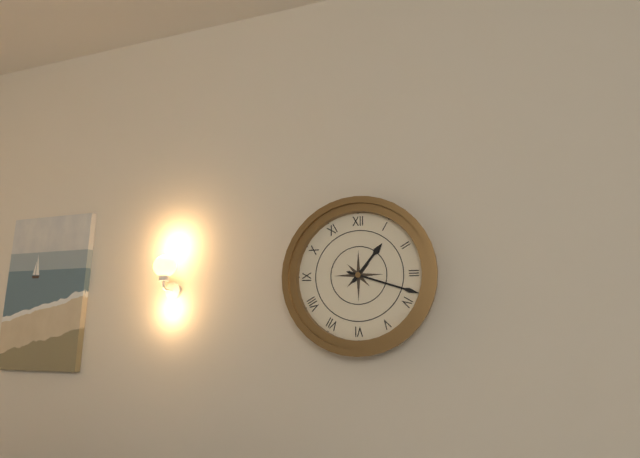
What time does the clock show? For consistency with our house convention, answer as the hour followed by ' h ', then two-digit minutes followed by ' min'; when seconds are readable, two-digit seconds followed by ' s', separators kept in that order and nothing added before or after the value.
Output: 1 h 18 min
